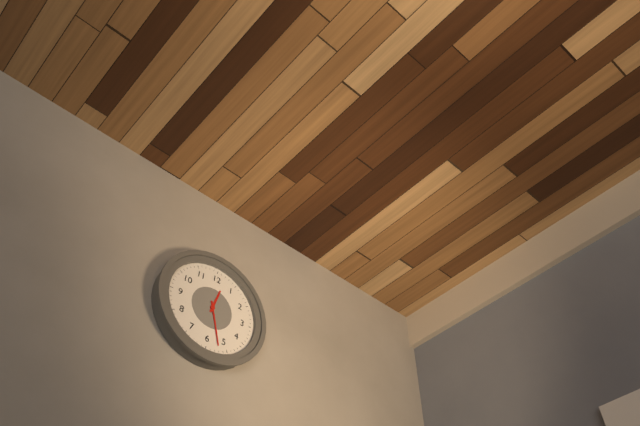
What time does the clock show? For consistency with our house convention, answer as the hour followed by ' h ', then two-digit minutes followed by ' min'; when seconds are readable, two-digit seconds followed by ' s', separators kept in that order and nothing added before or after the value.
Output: 12 h 27 min
